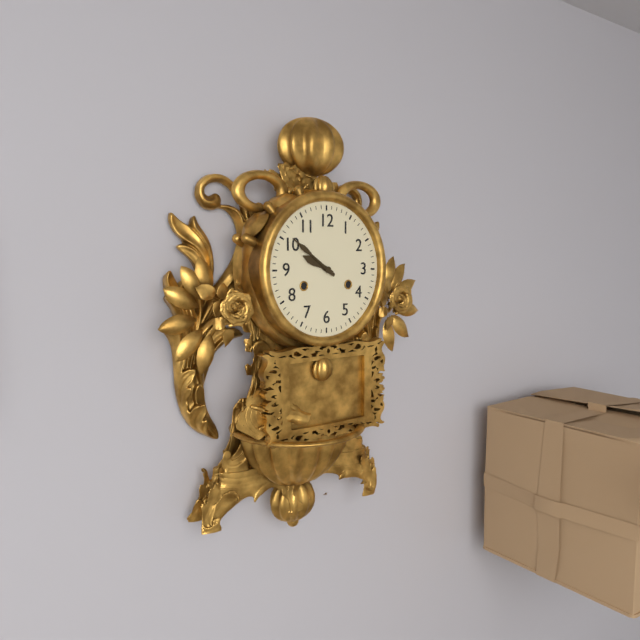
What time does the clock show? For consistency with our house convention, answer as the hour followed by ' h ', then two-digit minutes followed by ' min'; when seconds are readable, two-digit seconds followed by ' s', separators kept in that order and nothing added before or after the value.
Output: 9 h 51 min
